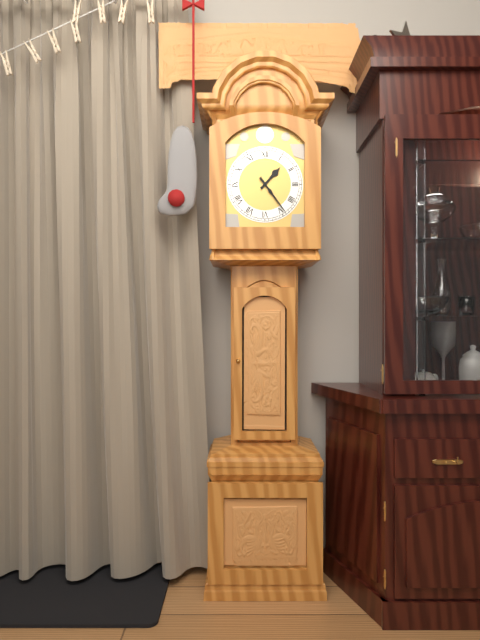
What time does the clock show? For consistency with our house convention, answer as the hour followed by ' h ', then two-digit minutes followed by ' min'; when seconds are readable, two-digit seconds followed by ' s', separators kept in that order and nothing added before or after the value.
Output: 1 h 24 min
